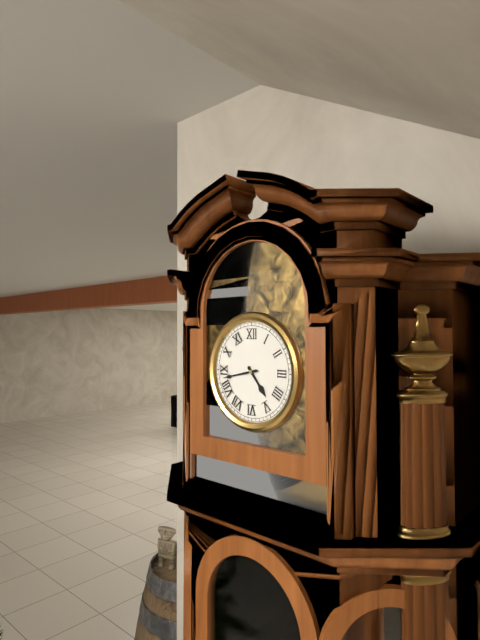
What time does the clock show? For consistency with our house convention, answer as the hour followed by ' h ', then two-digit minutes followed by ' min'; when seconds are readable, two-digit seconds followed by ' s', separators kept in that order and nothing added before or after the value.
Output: 4 h 43 min
